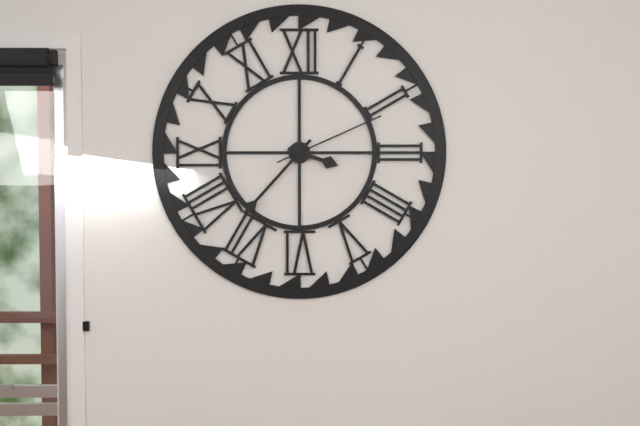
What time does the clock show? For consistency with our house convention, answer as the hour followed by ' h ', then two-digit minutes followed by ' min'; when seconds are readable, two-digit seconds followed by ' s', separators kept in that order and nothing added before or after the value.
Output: 3 h 37 min 11 s
